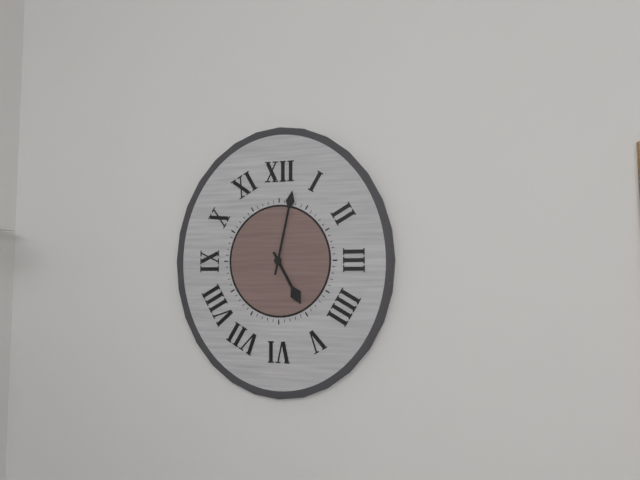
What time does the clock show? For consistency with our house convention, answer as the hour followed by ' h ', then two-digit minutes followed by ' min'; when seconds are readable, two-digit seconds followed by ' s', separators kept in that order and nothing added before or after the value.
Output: 5 h 02 min
